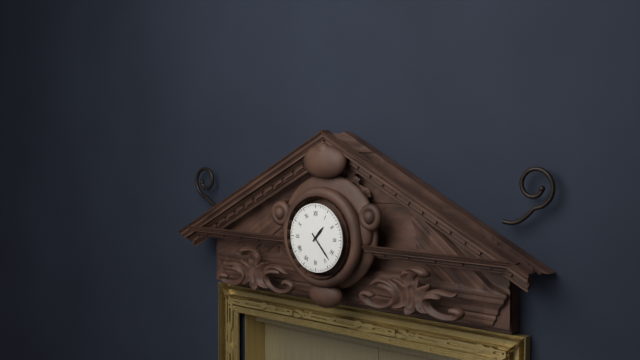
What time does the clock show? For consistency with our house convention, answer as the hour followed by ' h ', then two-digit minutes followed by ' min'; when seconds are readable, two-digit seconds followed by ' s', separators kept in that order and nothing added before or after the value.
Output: 1 h 23 min
